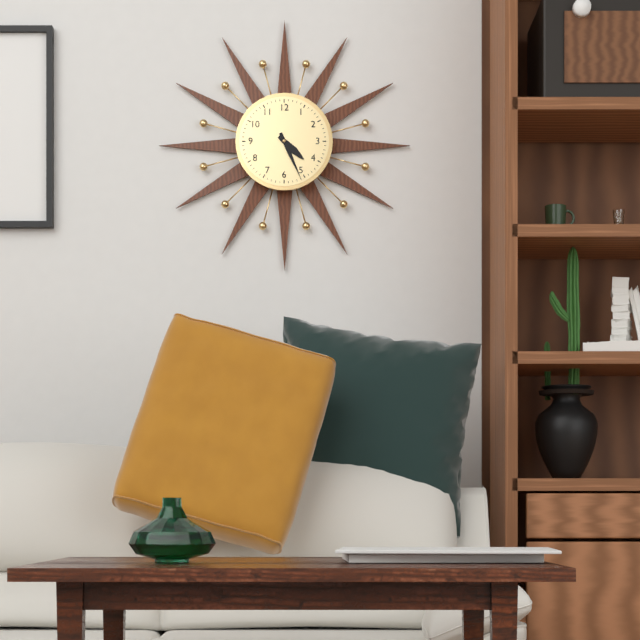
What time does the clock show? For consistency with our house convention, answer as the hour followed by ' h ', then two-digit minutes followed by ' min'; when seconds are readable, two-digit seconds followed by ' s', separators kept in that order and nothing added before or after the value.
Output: 4 h 26 min
